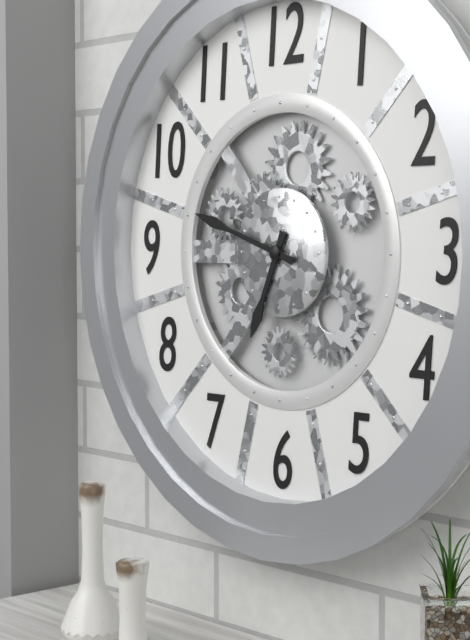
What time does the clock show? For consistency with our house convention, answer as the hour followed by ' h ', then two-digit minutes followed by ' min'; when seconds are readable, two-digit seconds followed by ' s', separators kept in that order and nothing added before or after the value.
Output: 6 h 48 min
